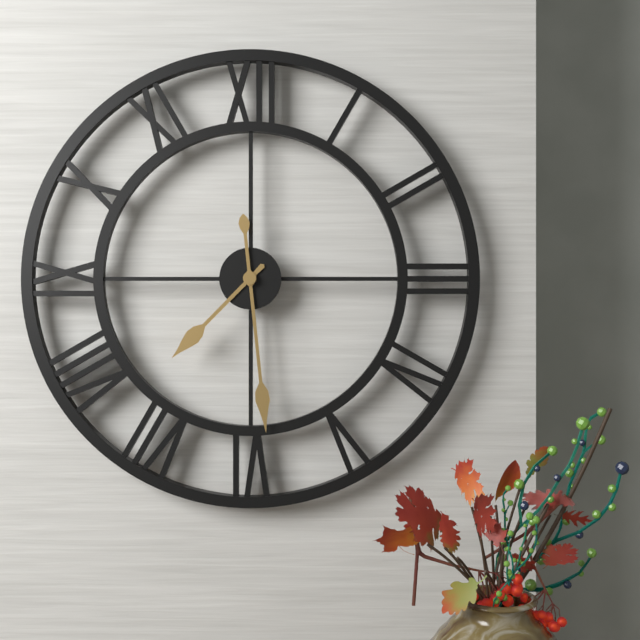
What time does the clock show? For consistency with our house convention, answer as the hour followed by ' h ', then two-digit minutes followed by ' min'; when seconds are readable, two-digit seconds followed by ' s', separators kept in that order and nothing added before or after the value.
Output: 7 h 29 min
